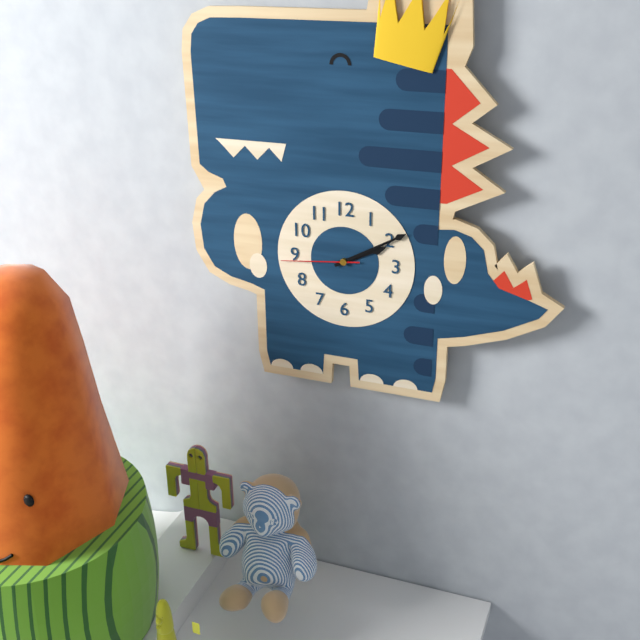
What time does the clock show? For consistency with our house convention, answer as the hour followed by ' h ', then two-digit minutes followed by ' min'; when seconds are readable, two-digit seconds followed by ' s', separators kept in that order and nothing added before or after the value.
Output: 2 h 10 min 44 s
